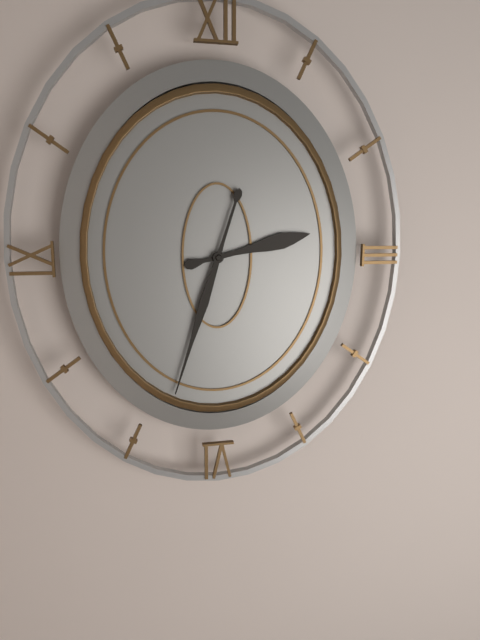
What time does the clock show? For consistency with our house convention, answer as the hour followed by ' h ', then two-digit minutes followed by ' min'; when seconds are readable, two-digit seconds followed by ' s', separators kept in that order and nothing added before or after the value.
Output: 2 h 33 min
